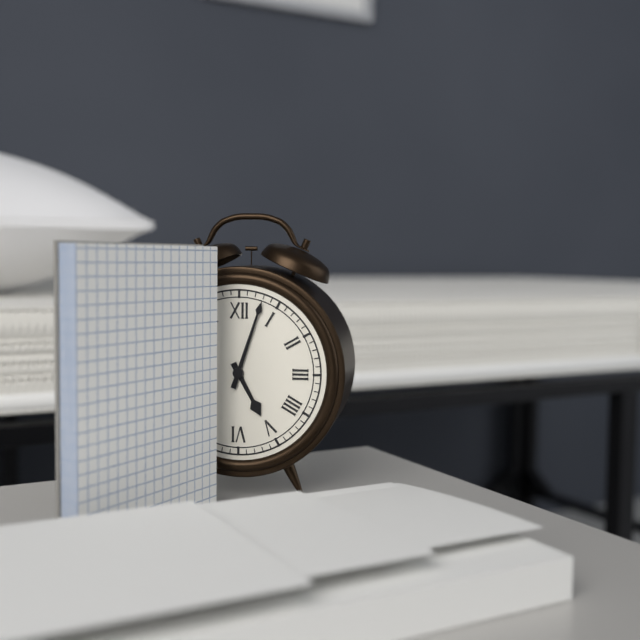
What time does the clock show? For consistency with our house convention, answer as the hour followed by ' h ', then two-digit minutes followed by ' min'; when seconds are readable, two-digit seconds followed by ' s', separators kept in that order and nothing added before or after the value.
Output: 5 h 03 min
